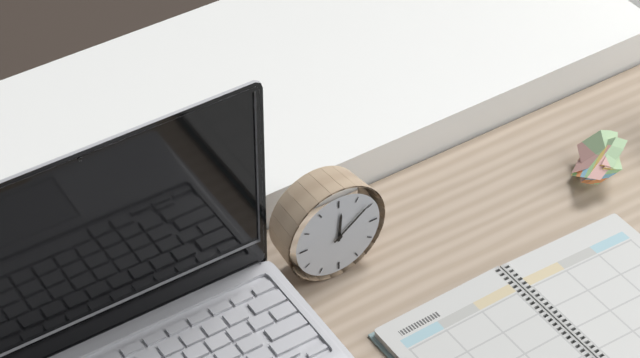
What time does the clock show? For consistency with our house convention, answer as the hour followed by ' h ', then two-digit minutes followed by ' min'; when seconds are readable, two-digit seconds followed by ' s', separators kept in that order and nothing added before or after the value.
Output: 12 h 09 min
